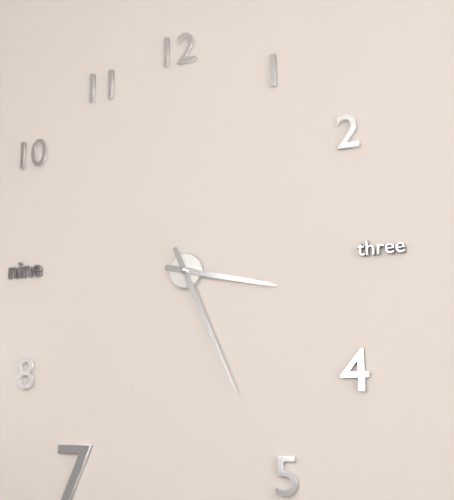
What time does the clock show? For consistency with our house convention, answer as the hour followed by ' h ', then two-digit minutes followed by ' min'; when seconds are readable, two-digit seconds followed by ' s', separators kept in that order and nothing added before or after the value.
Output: 3 h 26 min
